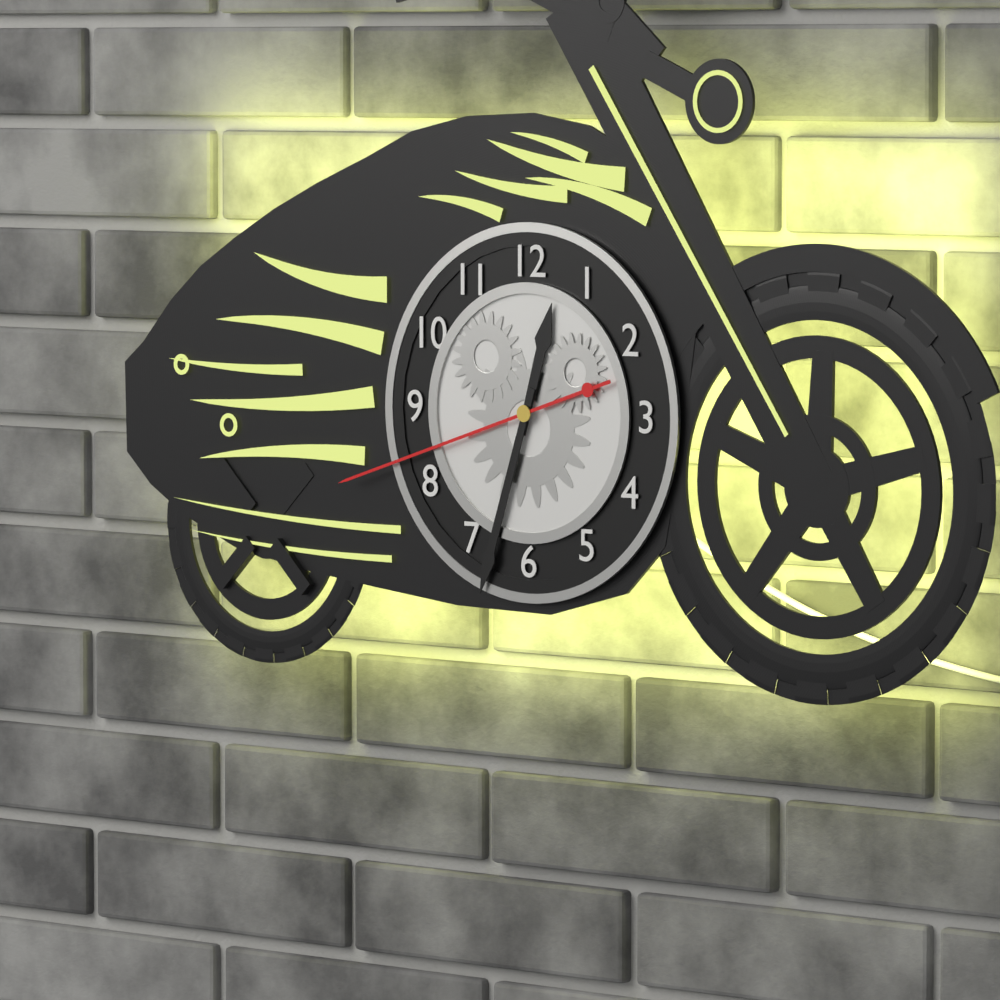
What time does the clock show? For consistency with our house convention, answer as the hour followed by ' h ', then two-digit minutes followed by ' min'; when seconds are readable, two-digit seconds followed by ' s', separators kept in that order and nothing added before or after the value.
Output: 12 h 33 min 42 s
